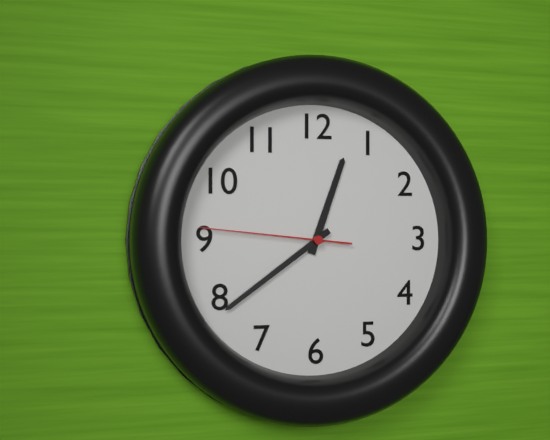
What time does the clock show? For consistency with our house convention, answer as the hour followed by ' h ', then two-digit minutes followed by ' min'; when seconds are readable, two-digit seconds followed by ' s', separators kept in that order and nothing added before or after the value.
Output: 12 h 39 min 46 s
